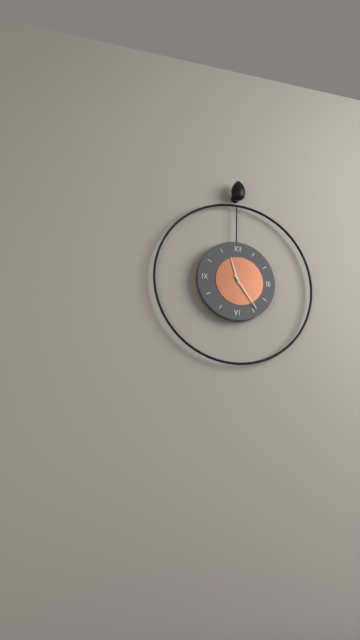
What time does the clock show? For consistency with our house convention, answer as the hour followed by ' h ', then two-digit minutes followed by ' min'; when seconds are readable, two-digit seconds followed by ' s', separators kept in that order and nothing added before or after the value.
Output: 11 h 24 min
